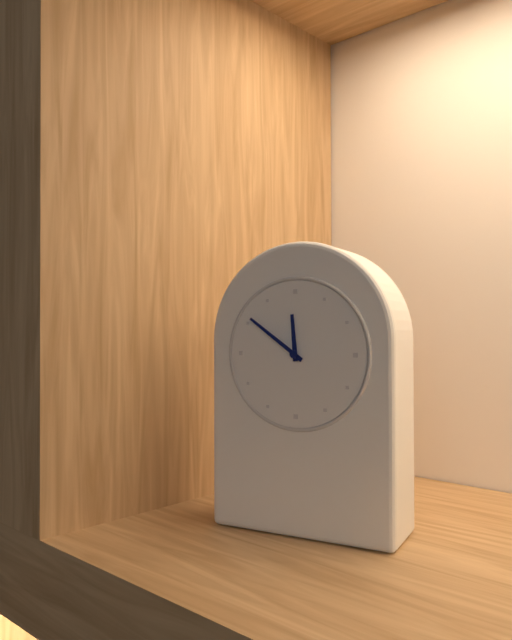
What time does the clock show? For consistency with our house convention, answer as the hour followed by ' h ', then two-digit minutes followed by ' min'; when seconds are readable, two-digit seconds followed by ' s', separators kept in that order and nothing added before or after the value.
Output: 11 h 51 min
